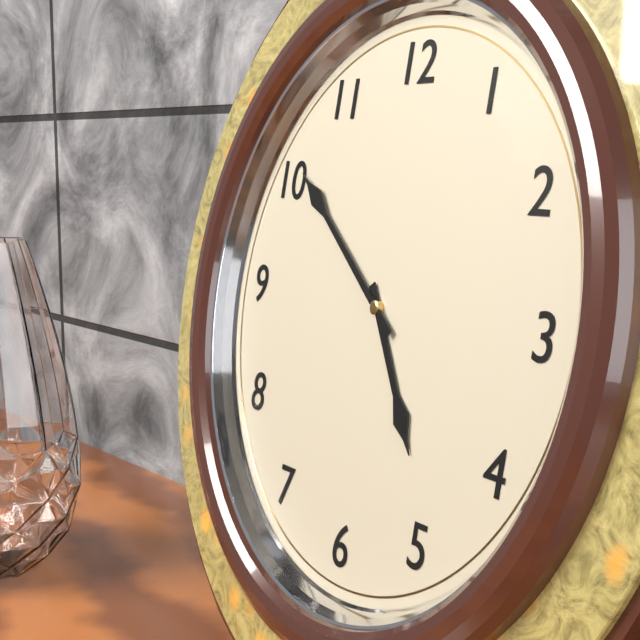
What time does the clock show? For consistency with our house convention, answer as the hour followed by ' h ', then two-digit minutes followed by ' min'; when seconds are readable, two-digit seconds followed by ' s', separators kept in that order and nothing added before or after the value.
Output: 4 h 51 min
